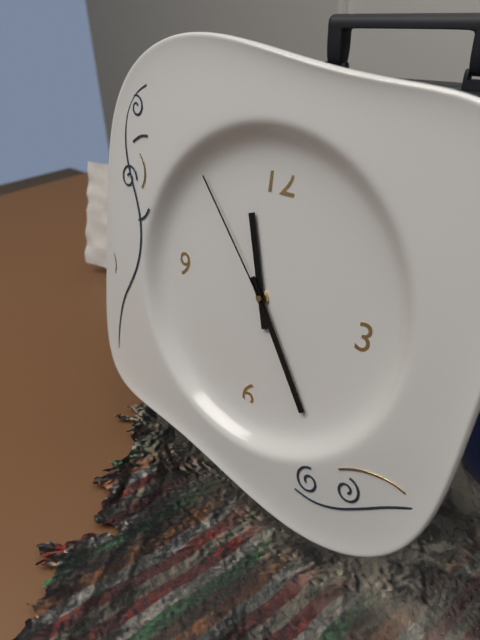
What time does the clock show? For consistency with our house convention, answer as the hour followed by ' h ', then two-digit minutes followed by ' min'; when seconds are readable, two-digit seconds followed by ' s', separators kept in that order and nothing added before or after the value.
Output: 11 h 24 min 53 s
